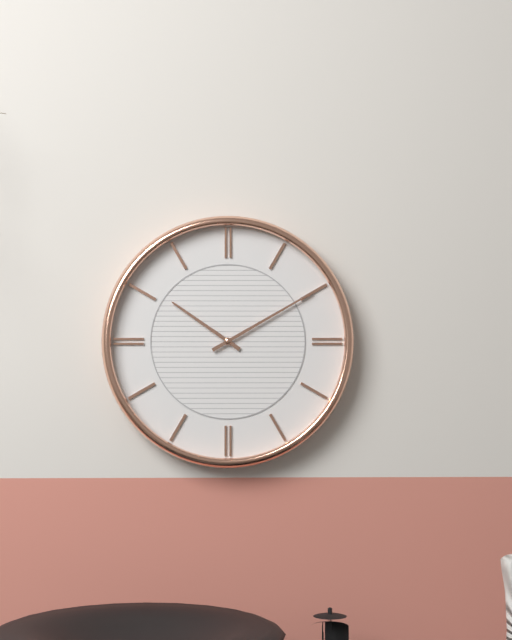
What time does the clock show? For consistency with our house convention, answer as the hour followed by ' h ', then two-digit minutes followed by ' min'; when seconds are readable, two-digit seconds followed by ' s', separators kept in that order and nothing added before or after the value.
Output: 10 h 10 min
